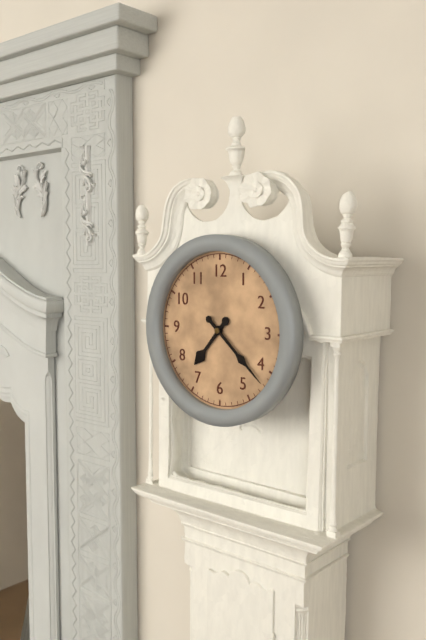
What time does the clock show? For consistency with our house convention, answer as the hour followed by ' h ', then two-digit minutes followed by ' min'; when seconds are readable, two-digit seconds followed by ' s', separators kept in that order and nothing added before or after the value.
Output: 7 h 22 min
